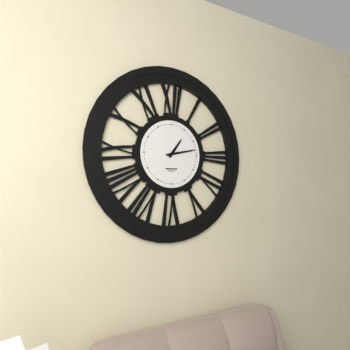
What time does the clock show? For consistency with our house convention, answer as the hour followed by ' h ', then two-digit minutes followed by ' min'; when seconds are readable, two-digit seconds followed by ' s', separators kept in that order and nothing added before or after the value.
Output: 1 h 13 min
